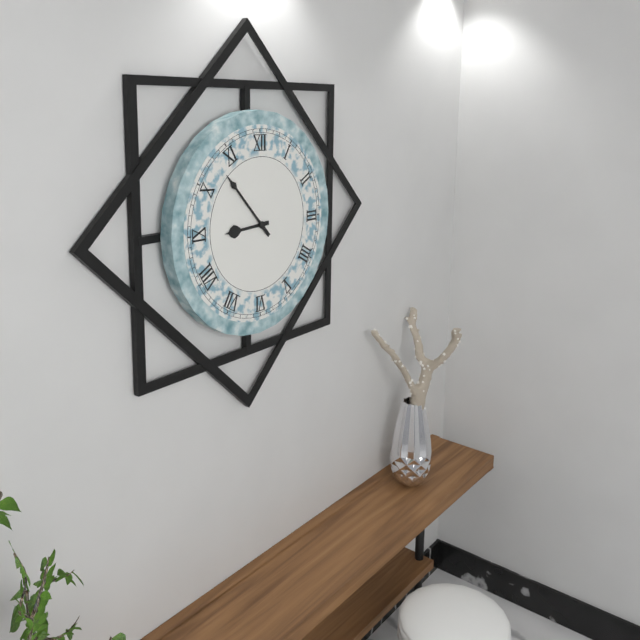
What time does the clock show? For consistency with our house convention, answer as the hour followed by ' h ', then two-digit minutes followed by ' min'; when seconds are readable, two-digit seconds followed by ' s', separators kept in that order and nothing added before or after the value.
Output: 8 h 53 min
